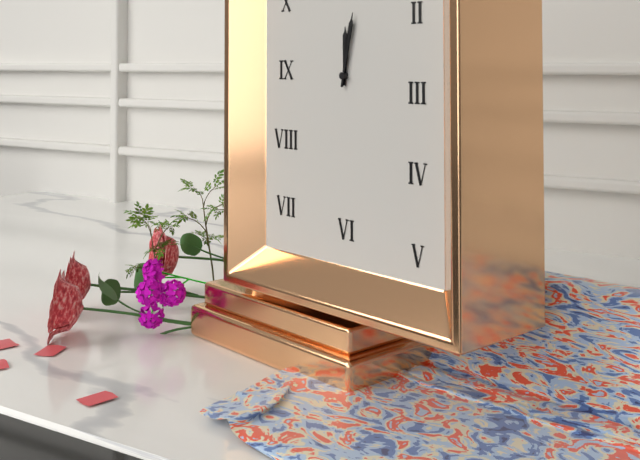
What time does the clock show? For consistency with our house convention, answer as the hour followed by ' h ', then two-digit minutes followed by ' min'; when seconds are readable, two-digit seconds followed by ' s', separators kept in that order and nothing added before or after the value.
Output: 12 h 02 min
